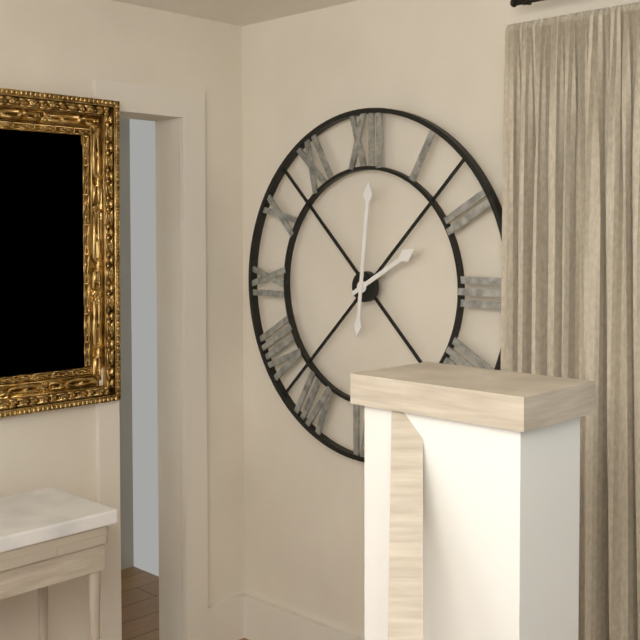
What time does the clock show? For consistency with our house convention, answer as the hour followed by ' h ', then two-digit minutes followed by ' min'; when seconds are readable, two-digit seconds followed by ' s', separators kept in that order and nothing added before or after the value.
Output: 2 h 01 min
